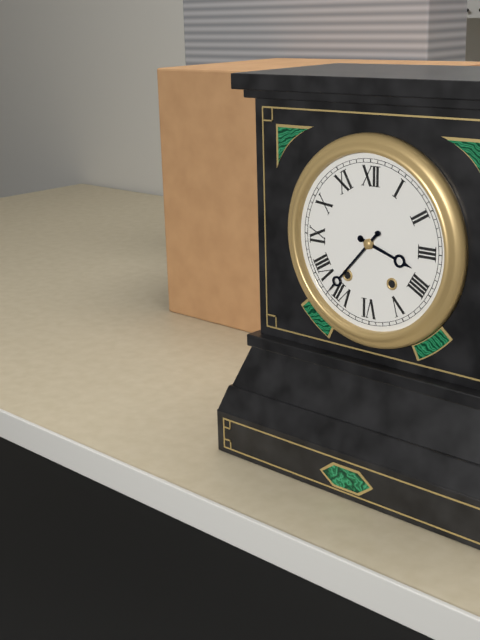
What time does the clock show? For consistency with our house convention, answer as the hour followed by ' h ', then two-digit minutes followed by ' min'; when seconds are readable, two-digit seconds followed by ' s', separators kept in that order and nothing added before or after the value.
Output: 3 h 37 min
